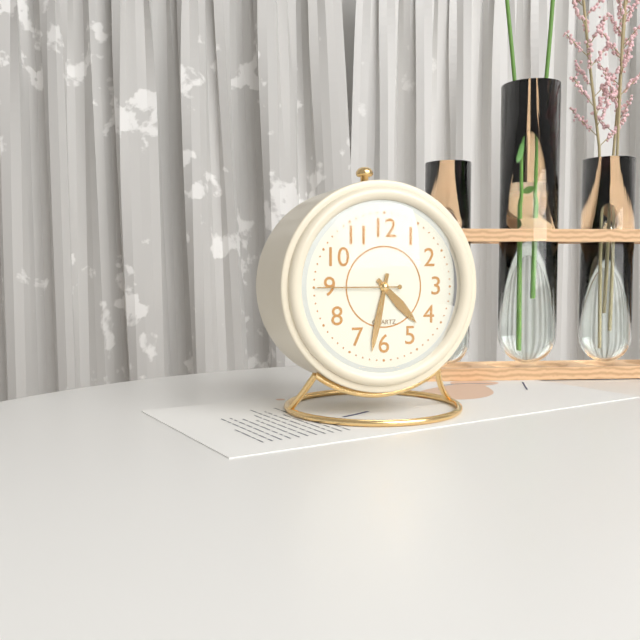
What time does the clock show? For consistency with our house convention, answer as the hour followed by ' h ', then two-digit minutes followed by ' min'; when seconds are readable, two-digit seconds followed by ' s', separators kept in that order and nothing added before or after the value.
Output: 4 h 32 min 45 s
